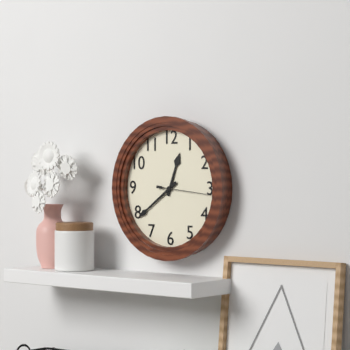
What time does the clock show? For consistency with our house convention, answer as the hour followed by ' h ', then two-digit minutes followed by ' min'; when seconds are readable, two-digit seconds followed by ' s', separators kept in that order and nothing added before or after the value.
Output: 12 h 39 min 16 s
